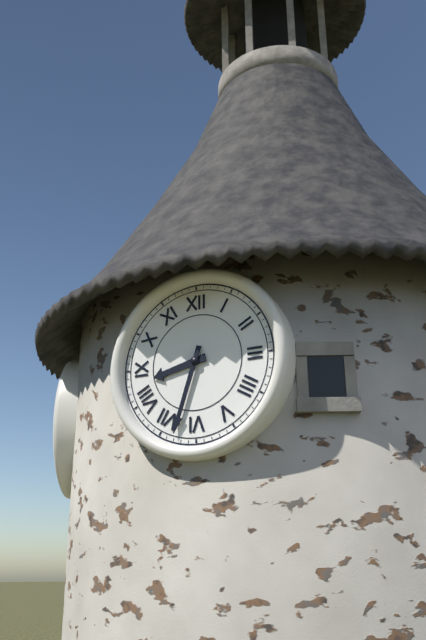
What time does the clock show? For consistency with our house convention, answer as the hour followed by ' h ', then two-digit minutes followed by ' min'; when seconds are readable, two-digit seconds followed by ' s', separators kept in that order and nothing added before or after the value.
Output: 8 h 33 min
